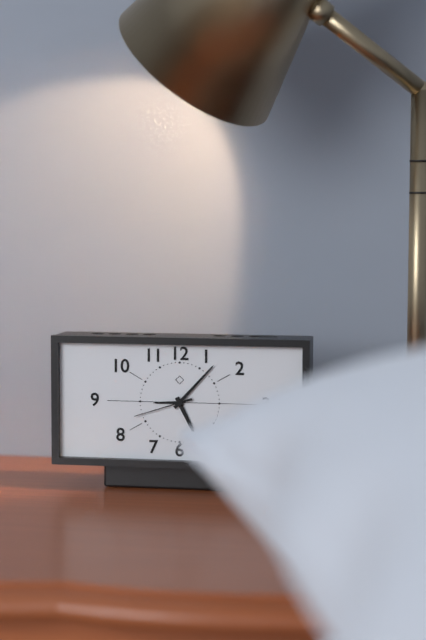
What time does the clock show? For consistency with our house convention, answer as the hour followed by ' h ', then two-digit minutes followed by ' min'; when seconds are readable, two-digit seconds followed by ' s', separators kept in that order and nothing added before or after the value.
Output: 5 h 07 min 42 s
